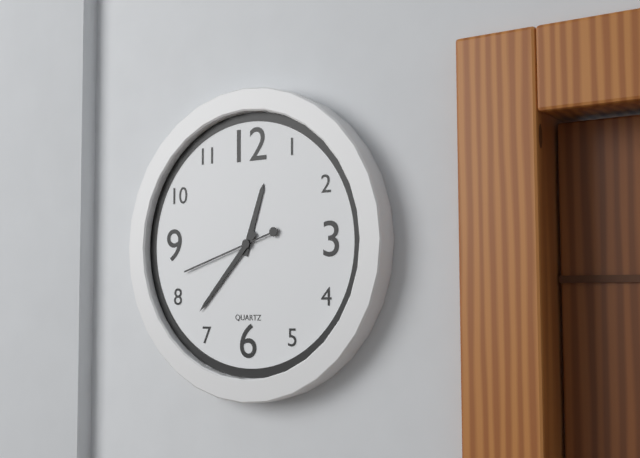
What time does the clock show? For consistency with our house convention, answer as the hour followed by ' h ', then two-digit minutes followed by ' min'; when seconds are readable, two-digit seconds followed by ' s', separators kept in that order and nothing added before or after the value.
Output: 12 h 37 min 42 s
